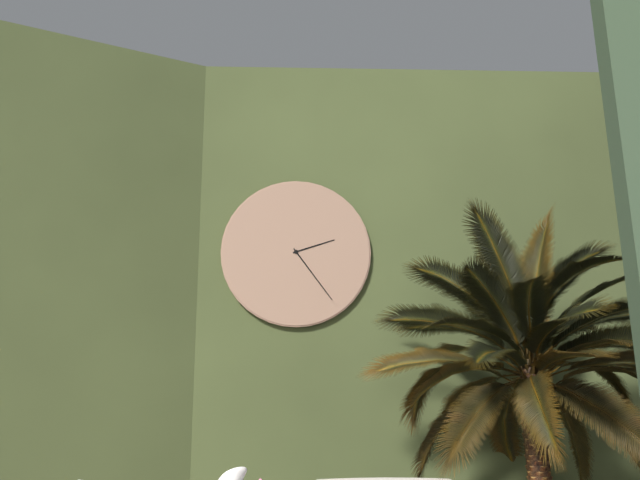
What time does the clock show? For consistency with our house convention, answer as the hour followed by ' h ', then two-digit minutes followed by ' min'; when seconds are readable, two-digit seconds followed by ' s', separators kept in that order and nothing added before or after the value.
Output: 2 h 24 min
